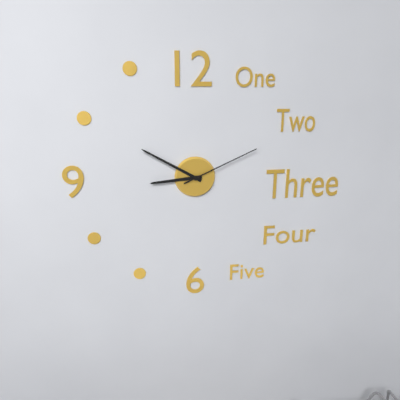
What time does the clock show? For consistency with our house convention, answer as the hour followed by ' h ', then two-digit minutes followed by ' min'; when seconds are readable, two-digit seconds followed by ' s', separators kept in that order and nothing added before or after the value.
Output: 8 h 50 min 11 s
